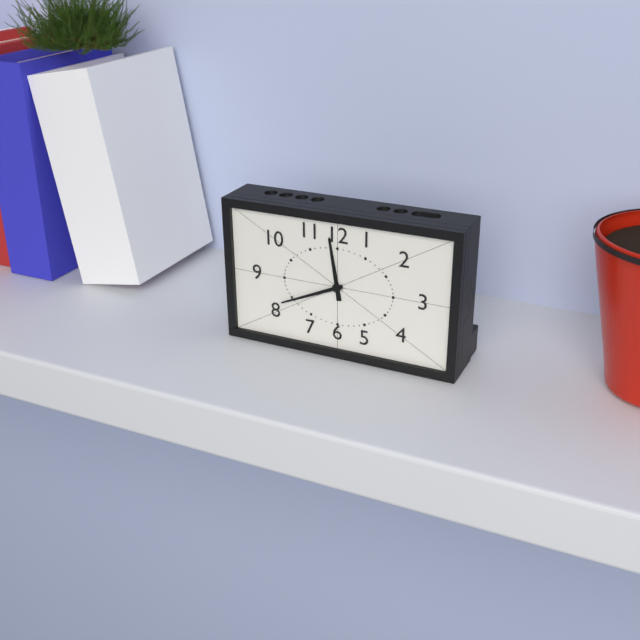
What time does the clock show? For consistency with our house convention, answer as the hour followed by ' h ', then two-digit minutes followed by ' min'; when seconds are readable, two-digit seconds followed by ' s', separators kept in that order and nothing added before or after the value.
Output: 11 h 41 min
